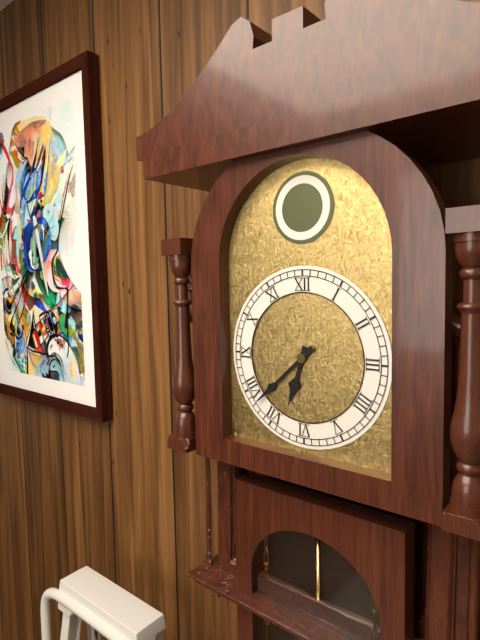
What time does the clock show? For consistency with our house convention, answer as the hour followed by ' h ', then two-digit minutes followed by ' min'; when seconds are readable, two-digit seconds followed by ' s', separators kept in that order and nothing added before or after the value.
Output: 6 h 38 min
